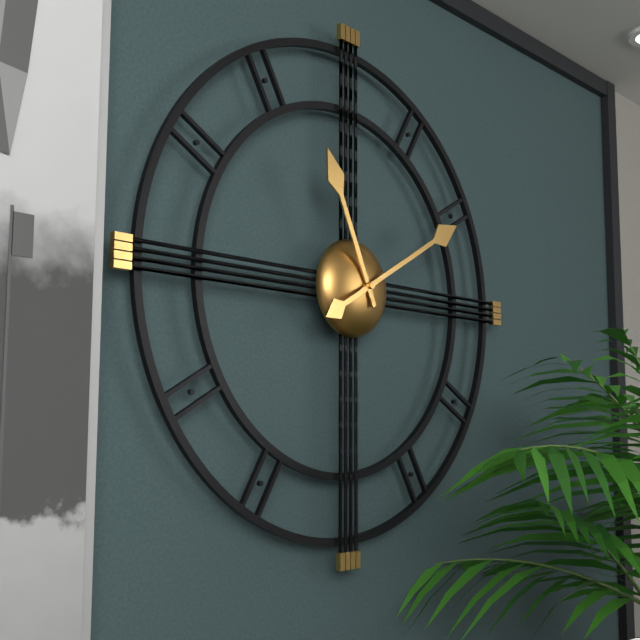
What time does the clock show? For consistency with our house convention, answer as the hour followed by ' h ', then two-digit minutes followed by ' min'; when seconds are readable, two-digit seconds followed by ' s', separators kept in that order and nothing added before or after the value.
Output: 11 h 10 min
